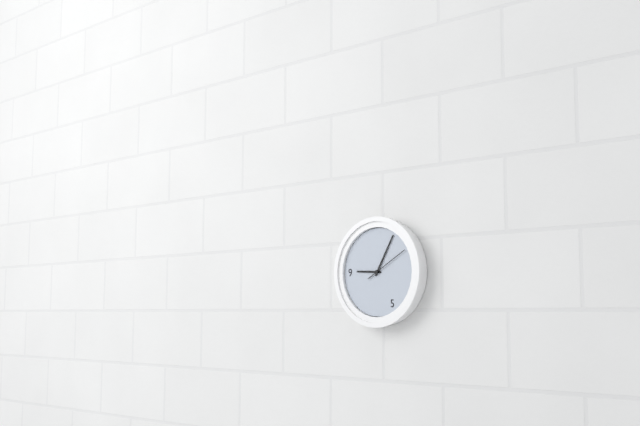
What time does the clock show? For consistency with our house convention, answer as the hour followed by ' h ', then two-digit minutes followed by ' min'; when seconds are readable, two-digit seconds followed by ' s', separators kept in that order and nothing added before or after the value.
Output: 9 h 05 min
